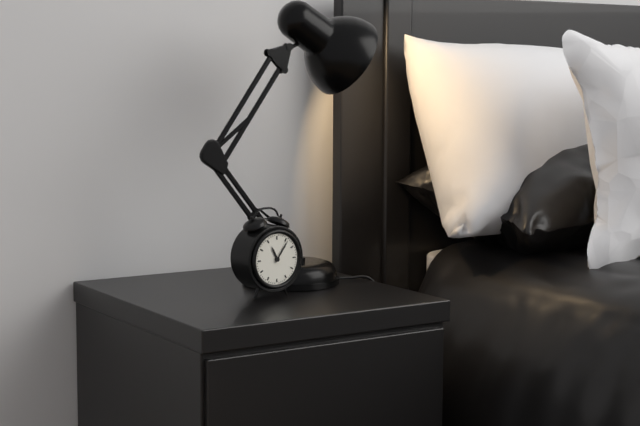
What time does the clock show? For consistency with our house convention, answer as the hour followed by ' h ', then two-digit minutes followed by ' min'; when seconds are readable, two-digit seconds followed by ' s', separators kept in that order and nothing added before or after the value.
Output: 11 h 06 min
